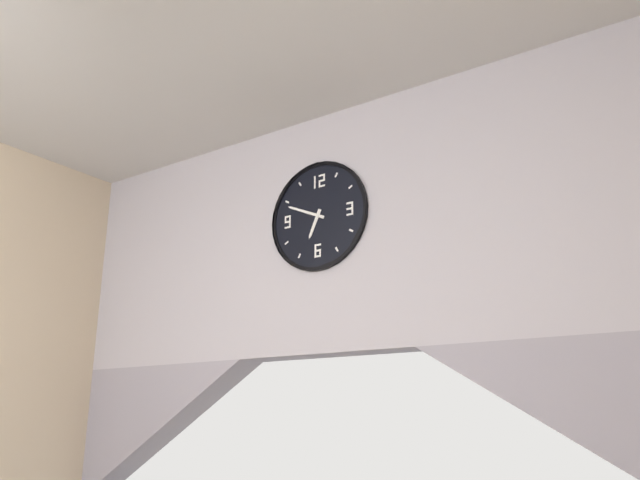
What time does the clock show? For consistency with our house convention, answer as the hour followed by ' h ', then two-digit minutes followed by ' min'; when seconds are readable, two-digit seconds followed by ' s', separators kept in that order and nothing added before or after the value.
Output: 6 h 49 min
